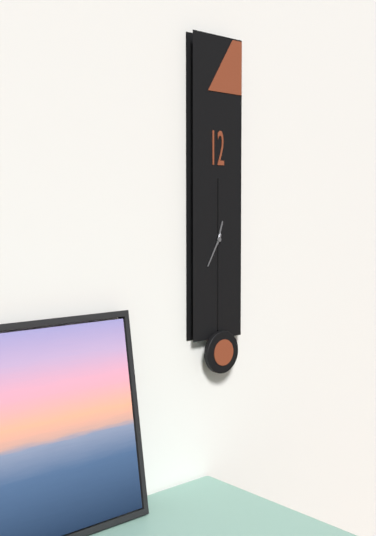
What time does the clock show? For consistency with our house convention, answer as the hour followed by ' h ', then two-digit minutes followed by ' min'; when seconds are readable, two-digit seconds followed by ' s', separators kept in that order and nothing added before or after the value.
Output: 12 h 35 min
